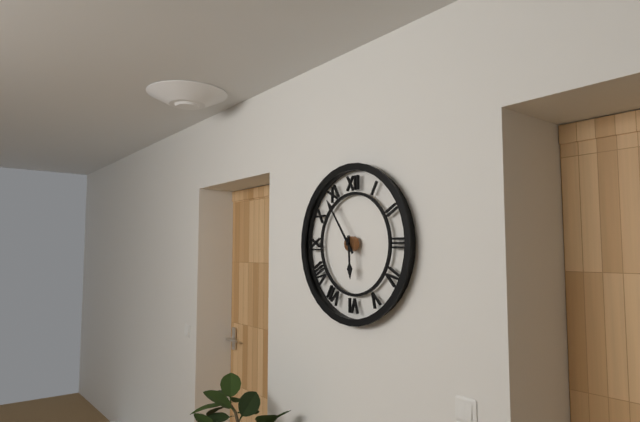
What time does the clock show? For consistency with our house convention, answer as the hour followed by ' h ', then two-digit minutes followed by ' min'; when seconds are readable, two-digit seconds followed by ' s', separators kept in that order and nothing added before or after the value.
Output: 5 h 54 min
